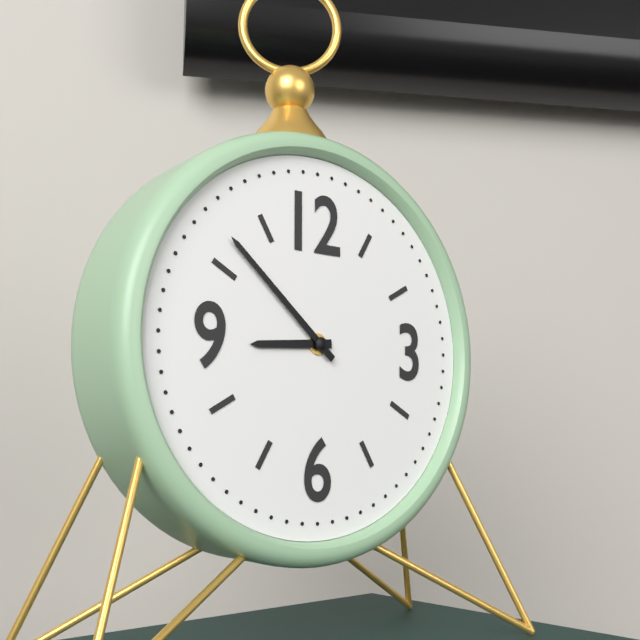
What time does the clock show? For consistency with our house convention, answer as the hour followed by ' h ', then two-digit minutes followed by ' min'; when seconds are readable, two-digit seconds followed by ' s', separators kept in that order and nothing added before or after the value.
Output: 8 h 52 min
